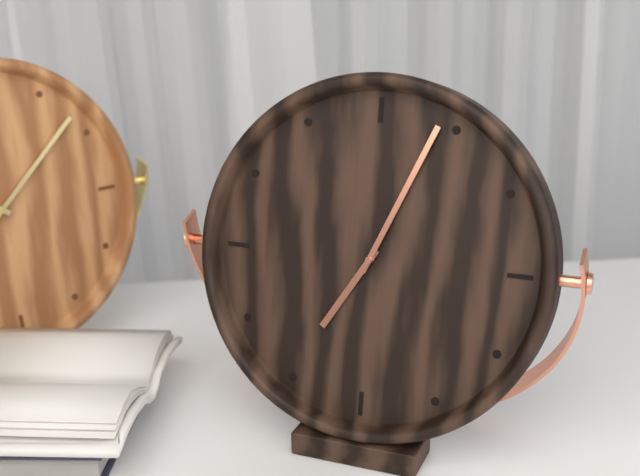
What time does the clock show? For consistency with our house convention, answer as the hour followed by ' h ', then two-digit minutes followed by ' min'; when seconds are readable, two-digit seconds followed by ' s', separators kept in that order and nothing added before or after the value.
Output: 7 h 04 min
